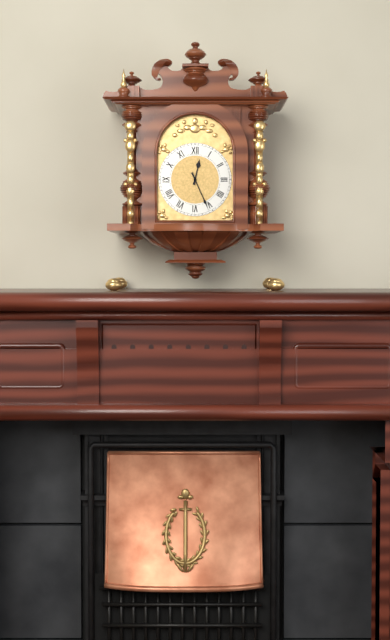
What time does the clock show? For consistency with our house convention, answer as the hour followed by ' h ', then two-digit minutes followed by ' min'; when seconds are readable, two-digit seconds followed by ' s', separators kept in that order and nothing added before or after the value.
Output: 12 h 26 min
